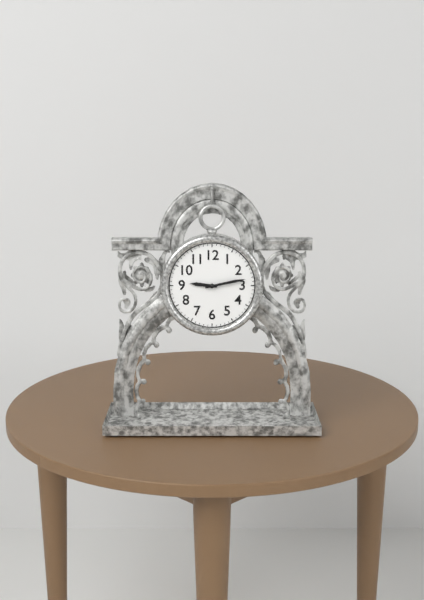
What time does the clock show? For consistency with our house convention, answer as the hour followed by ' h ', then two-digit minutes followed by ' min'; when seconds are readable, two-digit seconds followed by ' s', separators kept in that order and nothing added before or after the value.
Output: 9 h 13 min
